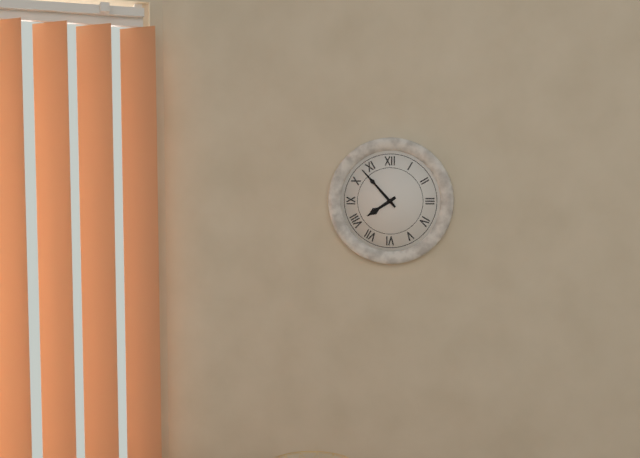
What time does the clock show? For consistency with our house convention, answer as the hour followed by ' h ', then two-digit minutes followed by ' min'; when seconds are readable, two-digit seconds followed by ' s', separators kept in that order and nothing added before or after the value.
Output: 7 h 53 min
